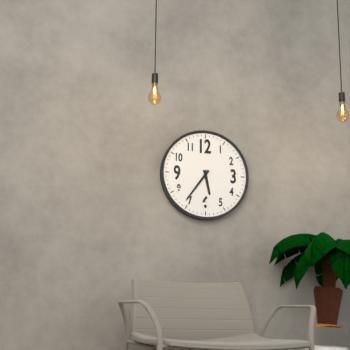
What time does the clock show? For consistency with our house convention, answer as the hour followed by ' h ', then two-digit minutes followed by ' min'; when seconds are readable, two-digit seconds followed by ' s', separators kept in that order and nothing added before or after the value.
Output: 5 h 36 min
